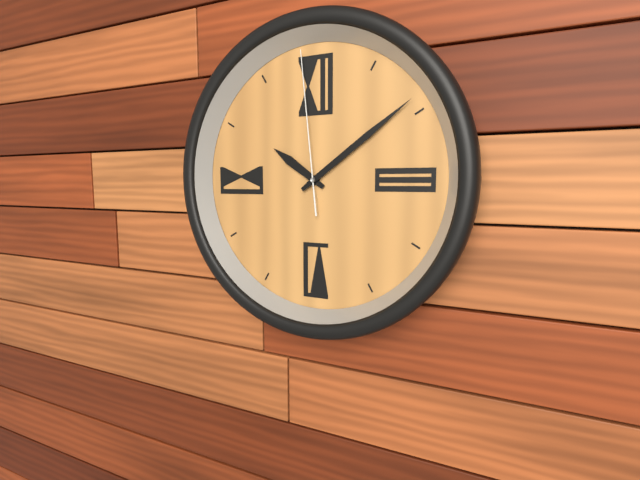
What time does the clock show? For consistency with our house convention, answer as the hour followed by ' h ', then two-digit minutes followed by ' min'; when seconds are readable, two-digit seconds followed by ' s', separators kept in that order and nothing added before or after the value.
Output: 10 h 09 min 59 s
